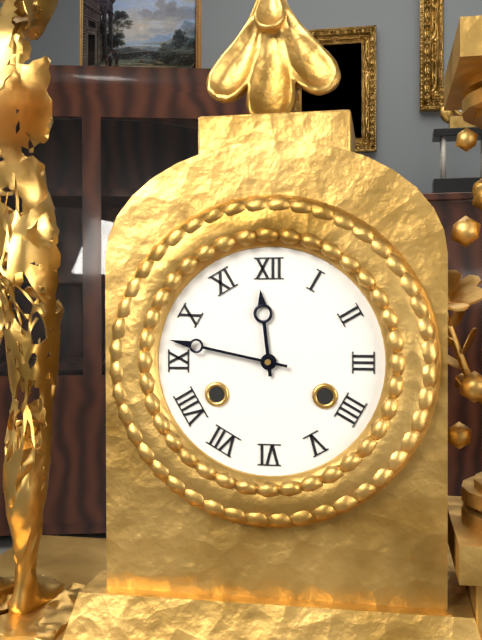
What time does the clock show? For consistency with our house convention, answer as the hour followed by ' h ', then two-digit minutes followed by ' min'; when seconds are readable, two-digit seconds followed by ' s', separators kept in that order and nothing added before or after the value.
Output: 11 h 47 min
